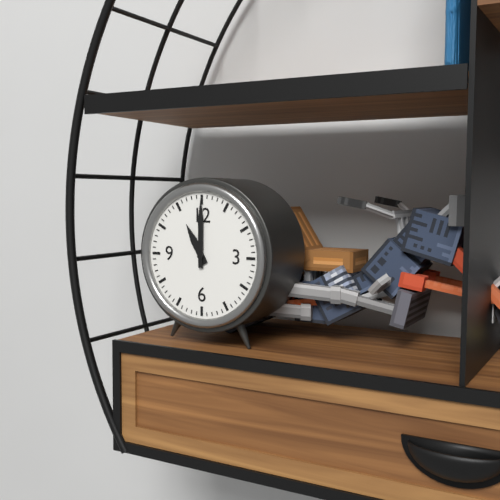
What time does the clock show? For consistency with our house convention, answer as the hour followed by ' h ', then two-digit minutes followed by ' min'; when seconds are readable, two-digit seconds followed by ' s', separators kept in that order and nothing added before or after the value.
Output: 11 h 00 min
